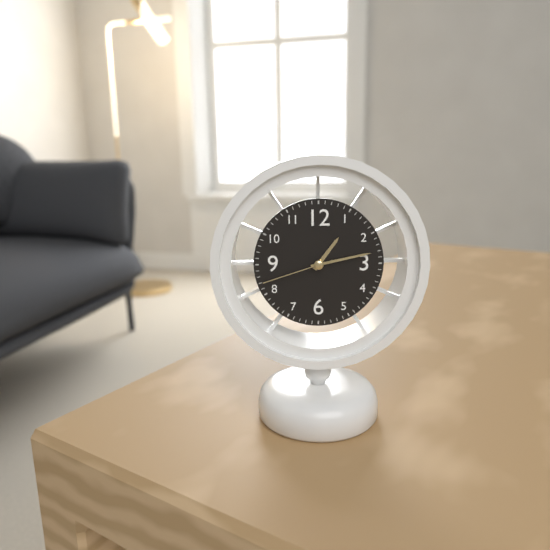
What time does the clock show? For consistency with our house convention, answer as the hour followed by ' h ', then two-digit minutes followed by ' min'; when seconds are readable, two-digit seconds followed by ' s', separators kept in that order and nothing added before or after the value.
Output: 1 h 13 min 42 s
